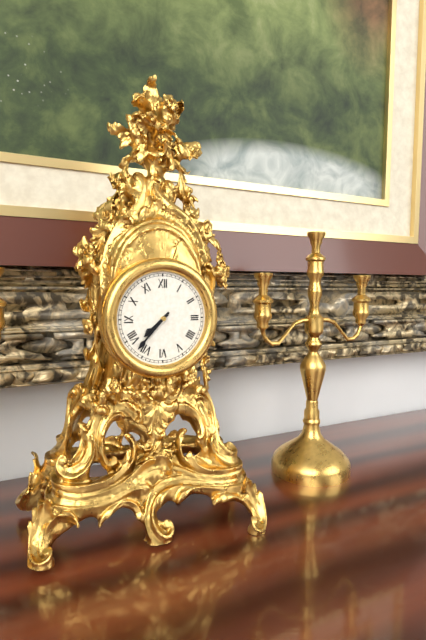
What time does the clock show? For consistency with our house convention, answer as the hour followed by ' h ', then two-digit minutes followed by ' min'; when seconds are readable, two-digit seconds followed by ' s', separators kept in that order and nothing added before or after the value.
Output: 7 h 37 min
